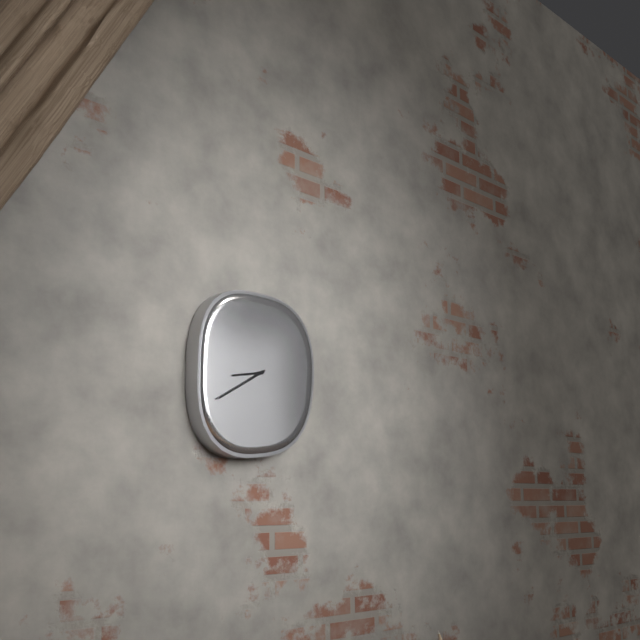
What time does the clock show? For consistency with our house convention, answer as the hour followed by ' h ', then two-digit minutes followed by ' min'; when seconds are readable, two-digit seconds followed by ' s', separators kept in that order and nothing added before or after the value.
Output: 8 h 40 min
